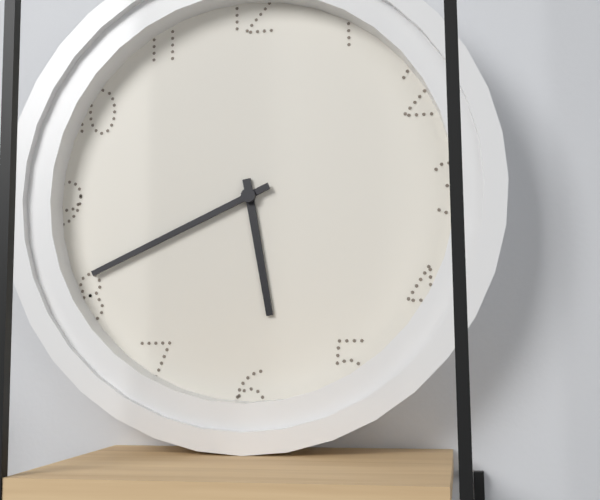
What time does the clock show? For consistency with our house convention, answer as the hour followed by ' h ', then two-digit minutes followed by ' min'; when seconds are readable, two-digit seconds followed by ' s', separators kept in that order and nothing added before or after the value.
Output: 5 h 41 min
